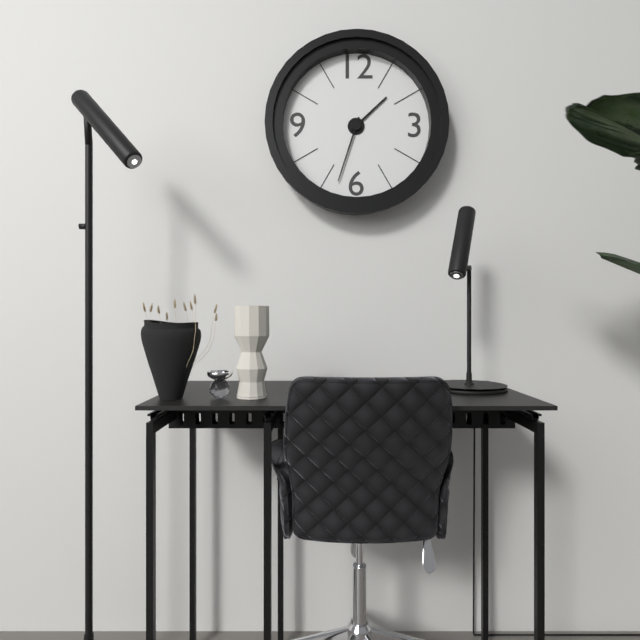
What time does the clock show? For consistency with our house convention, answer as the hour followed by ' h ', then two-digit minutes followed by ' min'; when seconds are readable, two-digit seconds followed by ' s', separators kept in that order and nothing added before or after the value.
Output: 1 h 33 min
